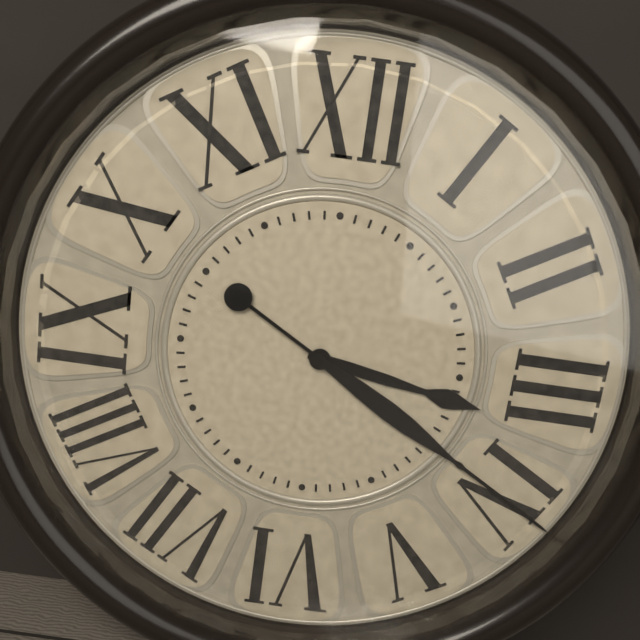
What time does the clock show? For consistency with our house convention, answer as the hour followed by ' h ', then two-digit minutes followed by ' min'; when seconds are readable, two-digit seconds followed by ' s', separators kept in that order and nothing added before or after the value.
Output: 3 h 20 min
